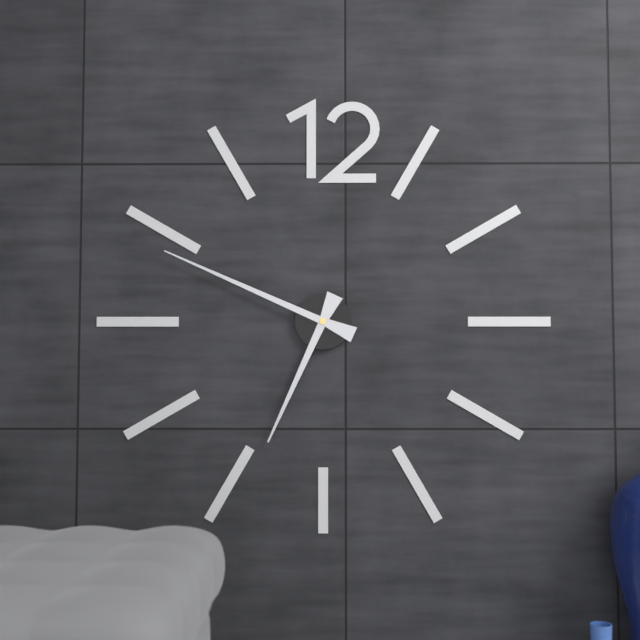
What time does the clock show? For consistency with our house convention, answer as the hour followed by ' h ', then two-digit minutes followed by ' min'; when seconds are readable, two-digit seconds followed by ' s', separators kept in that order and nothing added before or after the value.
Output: 6 h 49 min
